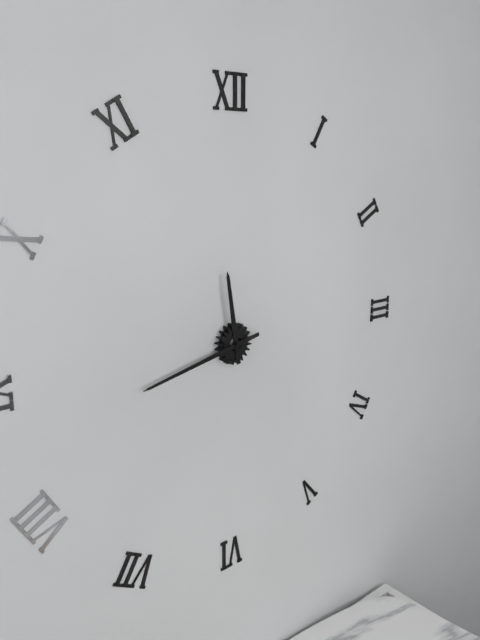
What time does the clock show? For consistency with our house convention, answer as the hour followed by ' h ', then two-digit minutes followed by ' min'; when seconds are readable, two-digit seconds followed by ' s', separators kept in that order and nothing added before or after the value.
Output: 11 h 43 min
